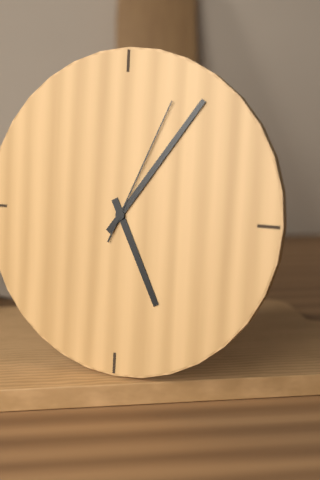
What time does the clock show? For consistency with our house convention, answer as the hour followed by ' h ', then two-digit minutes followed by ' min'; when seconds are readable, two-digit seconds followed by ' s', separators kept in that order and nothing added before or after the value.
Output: 5 h 06 min 04 s
